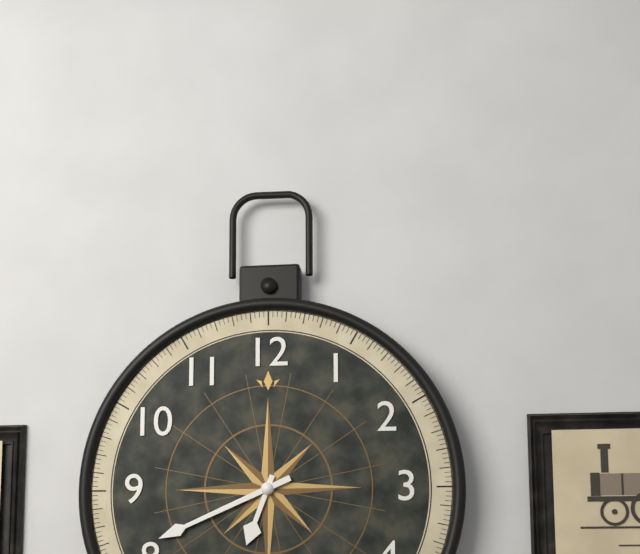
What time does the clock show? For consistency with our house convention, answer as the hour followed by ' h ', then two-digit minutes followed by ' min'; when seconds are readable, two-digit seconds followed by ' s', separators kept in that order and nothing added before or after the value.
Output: 6 h 41 min
